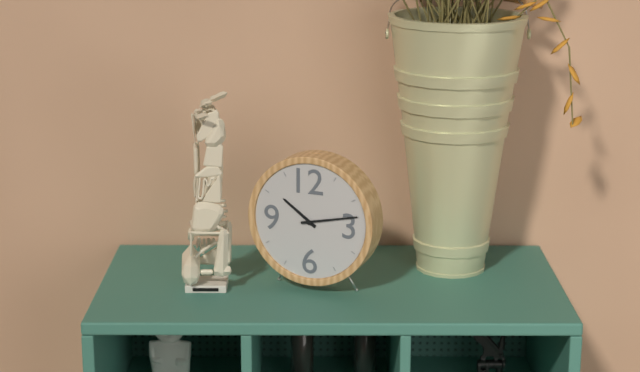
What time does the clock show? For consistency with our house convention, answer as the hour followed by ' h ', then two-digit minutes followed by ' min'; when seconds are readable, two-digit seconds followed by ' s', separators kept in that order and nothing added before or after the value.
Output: 10 h 13 min
